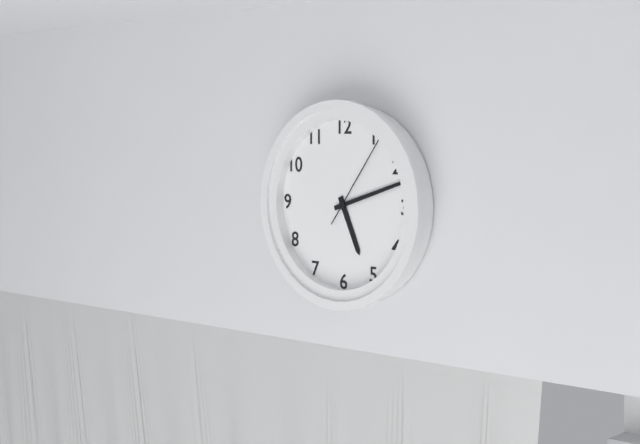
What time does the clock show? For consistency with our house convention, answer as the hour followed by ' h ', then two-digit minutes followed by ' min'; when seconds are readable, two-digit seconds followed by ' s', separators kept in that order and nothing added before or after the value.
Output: 5 h 12 min 06 s
